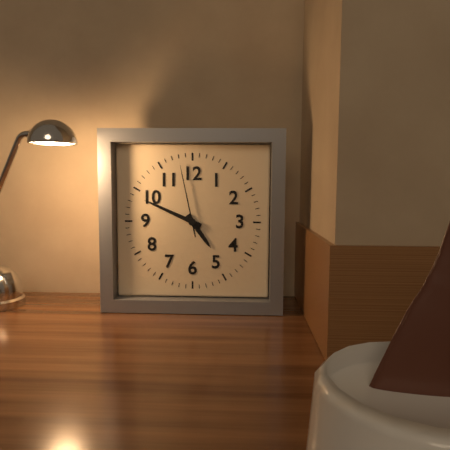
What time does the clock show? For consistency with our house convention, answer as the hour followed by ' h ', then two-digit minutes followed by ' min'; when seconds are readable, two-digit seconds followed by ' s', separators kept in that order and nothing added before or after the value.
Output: 4 h 49 min 58 s
